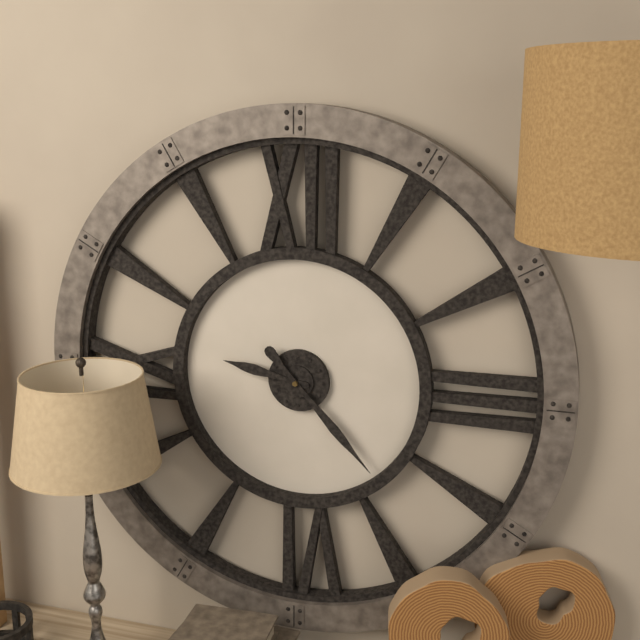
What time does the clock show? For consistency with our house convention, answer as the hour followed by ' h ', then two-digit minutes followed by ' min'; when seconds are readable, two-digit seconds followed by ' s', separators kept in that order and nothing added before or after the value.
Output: 9 h 23 min
